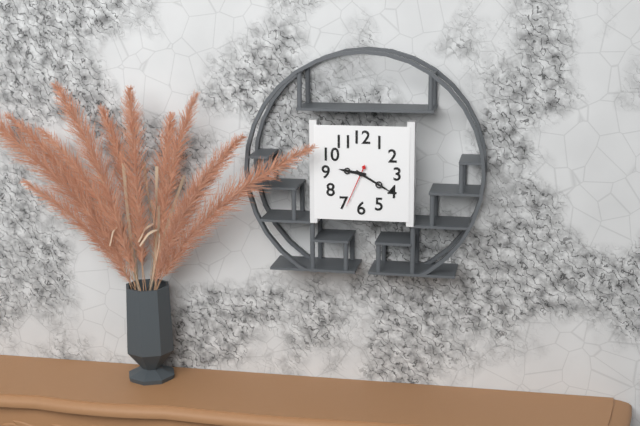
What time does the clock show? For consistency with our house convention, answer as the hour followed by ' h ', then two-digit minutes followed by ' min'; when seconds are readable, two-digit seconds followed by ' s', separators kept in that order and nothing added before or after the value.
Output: 9 h 20 min
